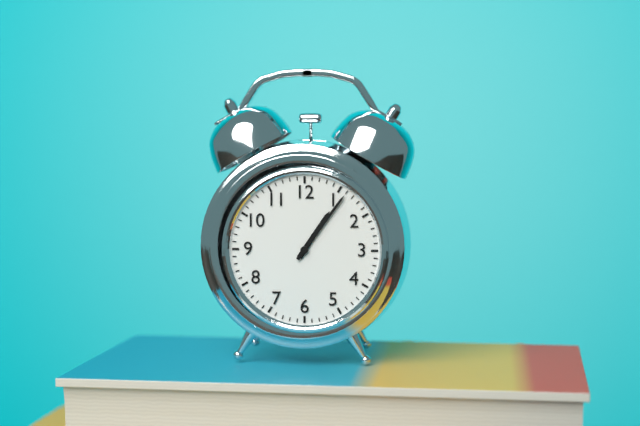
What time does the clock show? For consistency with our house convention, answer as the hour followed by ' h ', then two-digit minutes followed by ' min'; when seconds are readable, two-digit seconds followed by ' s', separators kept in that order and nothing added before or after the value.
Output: 1 h 06 min
